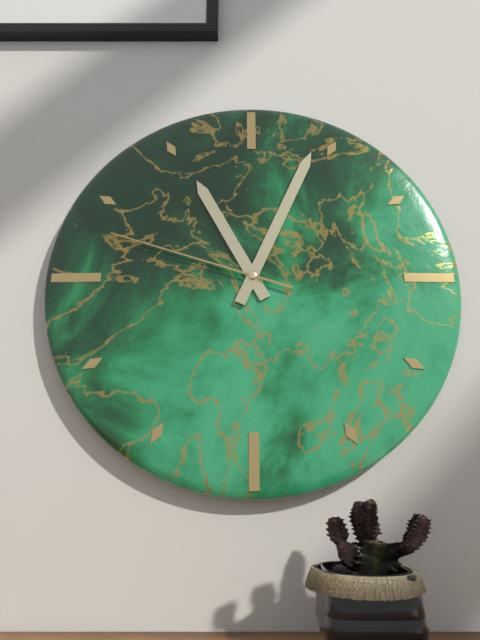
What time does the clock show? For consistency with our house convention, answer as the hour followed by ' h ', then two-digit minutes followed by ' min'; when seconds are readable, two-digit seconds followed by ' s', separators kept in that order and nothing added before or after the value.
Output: 11 h 04 min 48 s
